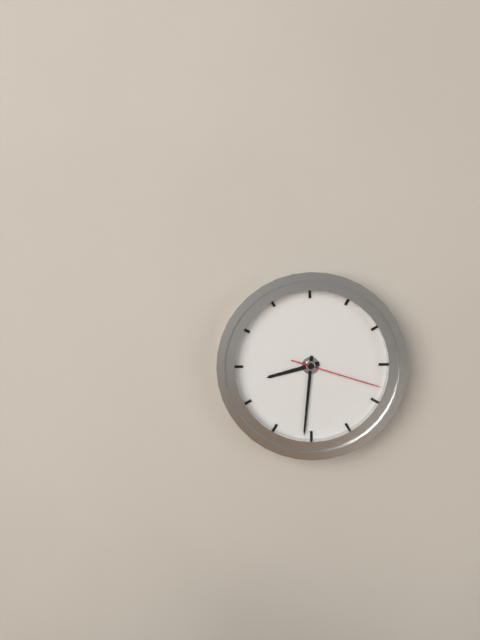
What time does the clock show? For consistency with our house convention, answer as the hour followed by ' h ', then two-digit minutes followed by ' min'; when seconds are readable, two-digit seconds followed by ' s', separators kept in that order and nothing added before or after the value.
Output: 8 h 31 min 18 s
